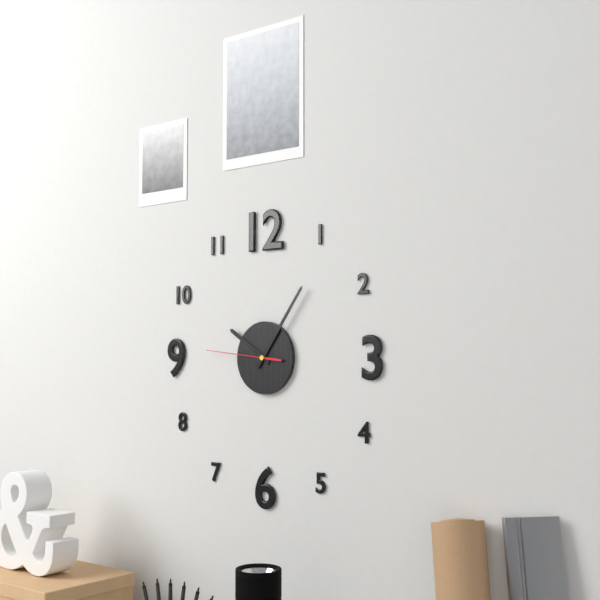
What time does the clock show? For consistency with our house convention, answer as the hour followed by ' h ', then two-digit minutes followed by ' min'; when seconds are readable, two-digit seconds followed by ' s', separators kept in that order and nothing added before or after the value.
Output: 10 h 06 min 46 s
